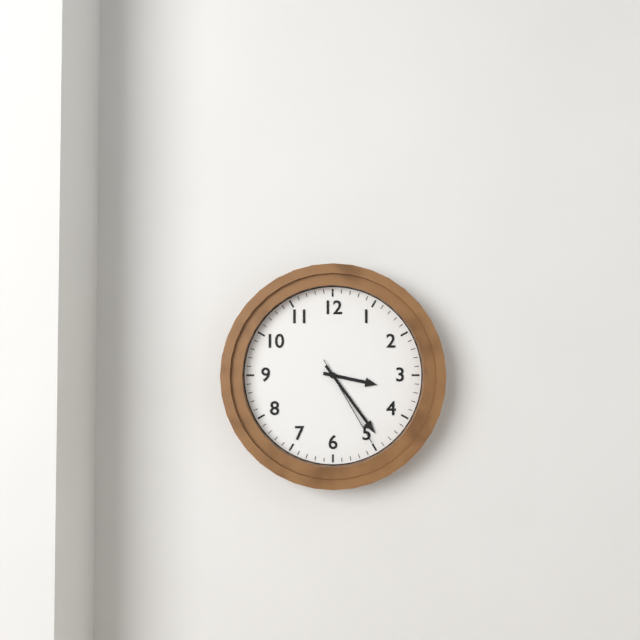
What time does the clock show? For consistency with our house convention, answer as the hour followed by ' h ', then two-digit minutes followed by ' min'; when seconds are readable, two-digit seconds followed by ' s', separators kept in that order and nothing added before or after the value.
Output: 3 h 24 min 25 s
